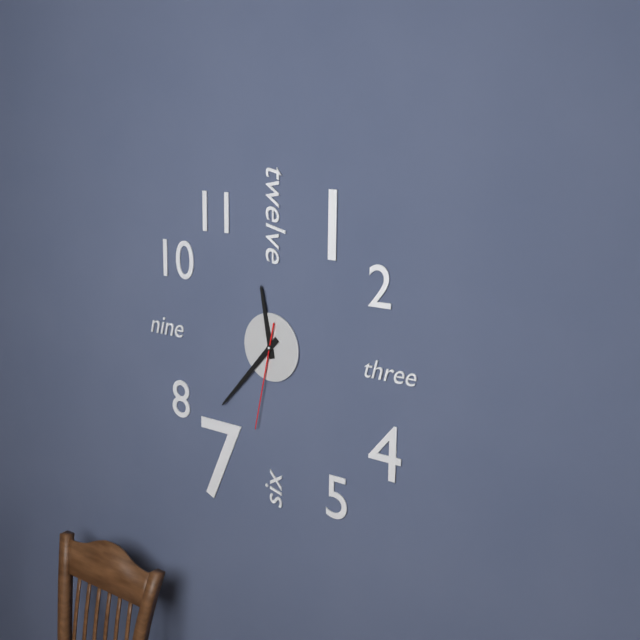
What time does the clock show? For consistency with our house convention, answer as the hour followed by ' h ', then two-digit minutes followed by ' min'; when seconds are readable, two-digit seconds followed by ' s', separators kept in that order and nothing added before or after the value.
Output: 11 h 37 min 32 s
